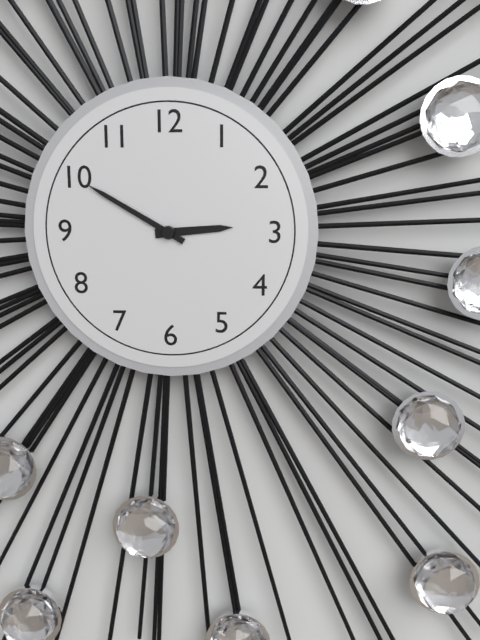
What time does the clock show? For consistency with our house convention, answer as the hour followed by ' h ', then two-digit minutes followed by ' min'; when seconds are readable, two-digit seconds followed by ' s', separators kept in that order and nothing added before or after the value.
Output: 2 h 50 min
